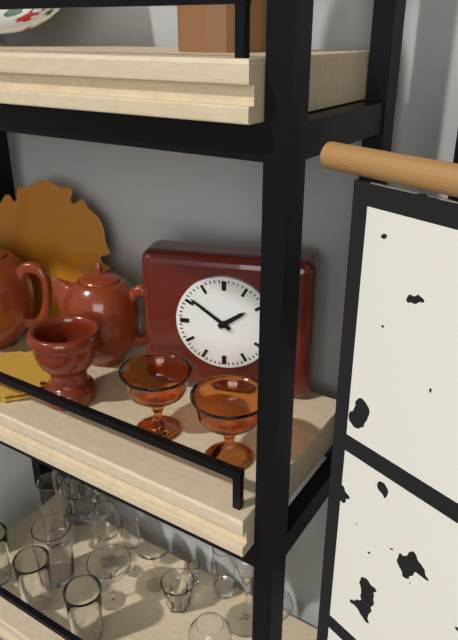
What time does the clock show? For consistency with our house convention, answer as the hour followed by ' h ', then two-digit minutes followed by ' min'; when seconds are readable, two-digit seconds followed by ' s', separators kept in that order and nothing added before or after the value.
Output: 1 h 51 min
